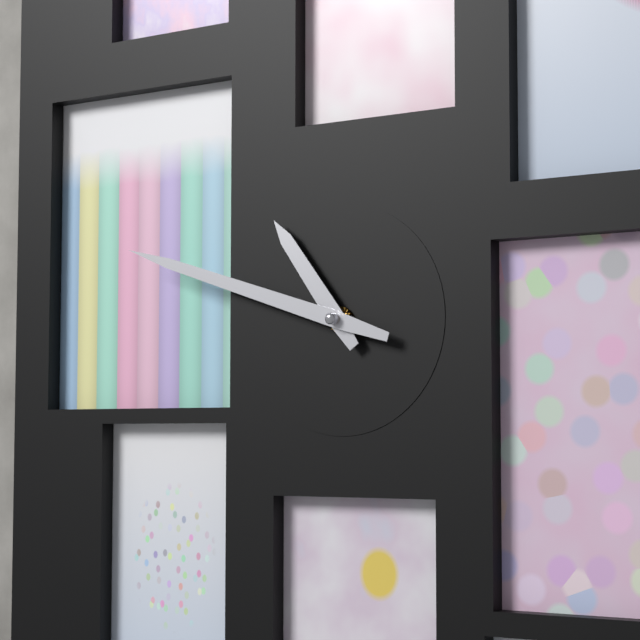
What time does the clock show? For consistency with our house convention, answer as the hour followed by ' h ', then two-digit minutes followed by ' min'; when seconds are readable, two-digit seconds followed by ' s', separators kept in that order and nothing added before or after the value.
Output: 10 h 48 min
